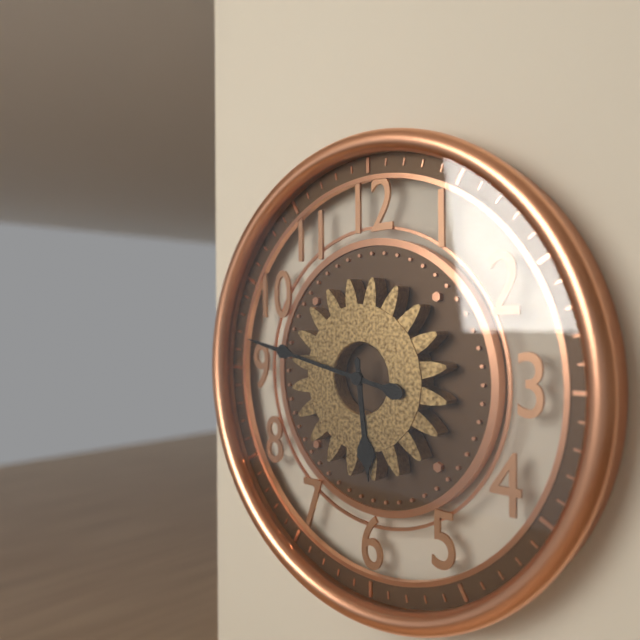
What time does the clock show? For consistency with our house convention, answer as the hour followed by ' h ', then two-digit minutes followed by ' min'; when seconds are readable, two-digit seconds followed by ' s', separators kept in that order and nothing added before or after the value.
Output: 5 h 47 min
